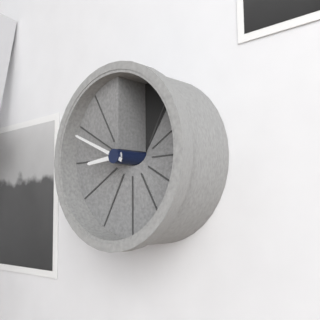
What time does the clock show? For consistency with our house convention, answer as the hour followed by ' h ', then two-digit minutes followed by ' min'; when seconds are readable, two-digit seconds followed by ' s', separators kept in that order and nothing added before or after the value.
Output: 8 h 49 min
